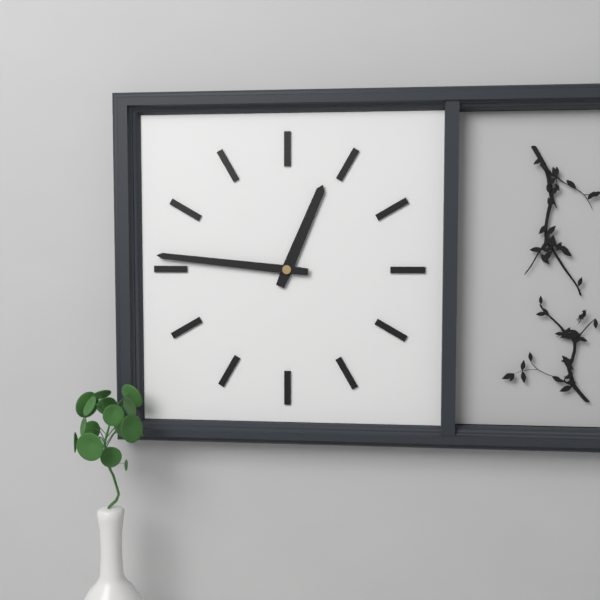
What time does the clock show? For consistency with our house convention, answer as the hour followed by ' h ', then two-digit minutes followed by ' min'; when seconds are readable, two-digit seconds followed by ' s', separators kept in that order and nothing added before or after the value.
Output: 12 h 46 min
